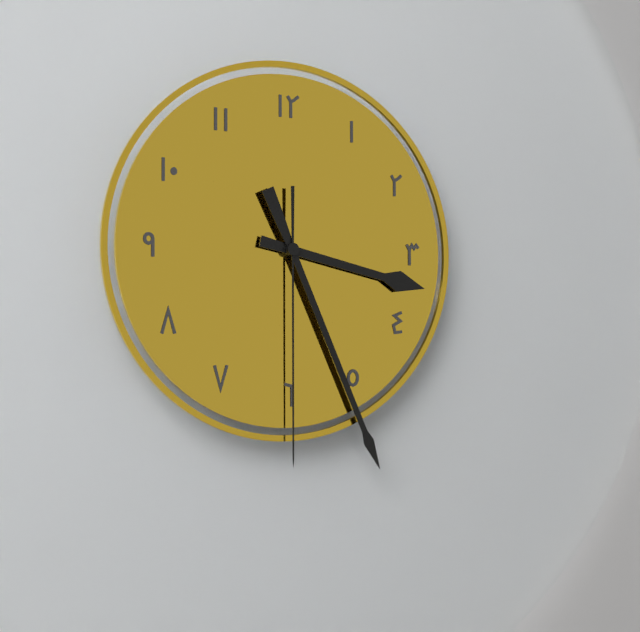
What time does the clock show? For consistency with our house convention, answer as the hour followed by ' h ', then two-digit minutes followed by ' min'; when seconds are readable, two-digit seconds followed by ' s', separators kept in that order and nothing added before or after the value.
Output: 3 h 26 min 30 s
